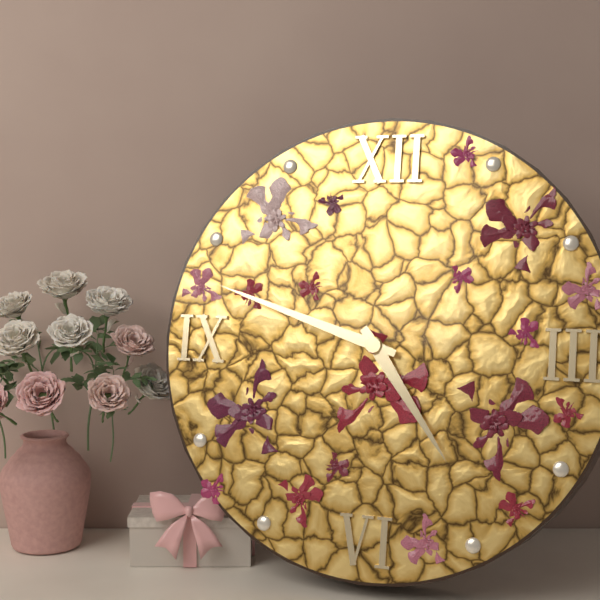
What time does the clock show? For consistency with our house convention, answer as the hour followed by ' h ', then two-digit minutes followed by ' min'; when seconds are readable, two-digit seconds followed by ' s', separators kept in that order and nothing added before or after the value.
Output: 4 h 48 min
